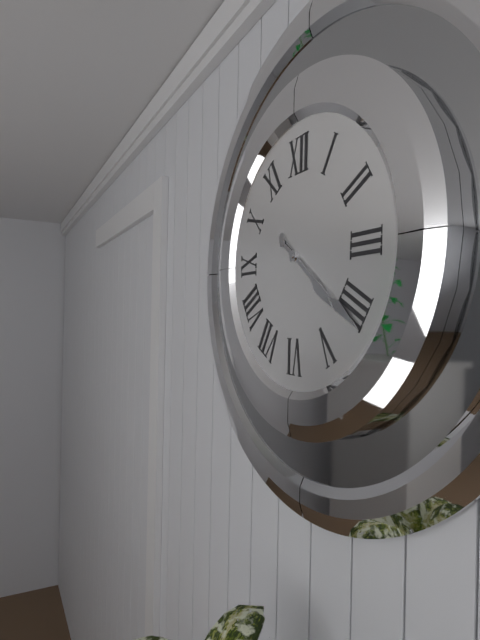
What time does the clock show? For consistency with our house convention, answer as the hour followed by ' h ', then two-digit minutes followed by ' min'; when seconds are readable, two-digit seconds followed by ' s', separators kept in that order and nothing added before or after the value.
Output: 4 h 21 min
